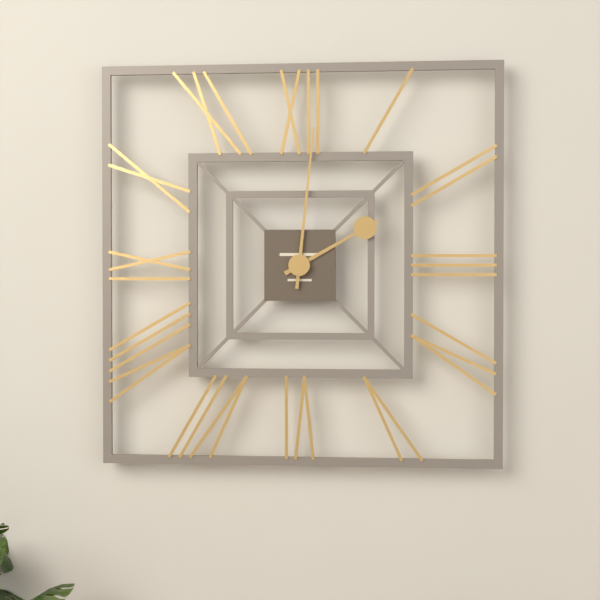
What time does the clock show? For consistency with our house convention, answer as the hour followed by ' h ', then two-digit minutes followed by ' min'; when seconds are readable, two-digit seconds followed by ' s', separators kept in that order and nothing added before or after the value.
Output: 2 h 01 min
